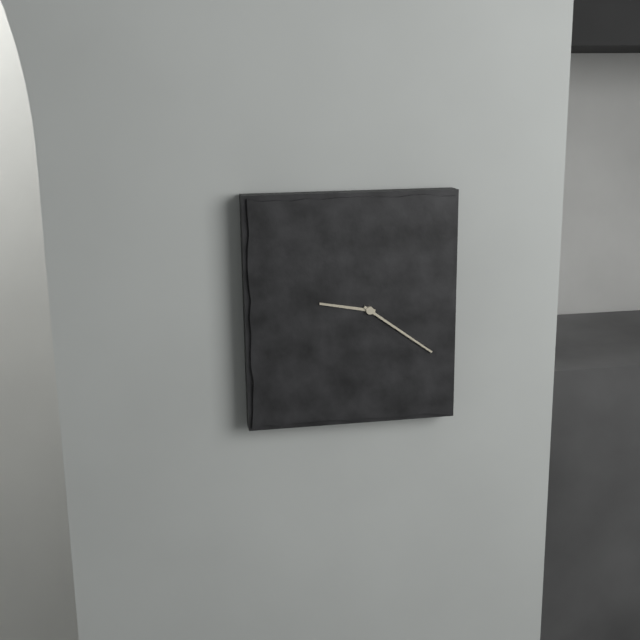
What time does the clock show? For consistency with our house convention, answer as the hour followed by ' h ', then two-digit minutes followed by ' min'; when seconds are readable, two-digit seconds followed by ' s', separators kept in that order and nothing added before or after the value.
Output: 9 h 21 min
